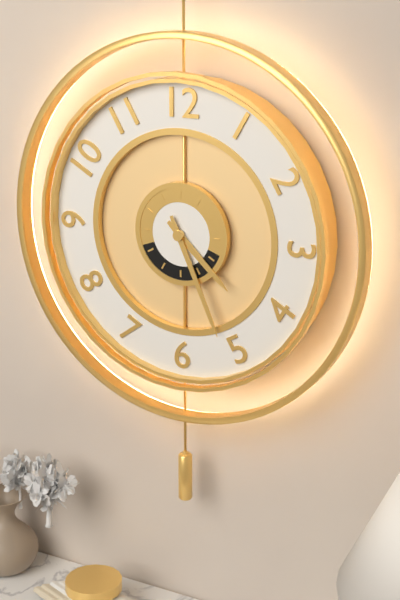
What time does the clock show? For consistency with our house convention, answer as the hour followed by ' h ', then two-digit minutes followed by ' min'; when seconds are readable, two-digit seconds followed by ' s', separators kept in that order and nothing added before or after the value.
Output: 4 h 26 min
